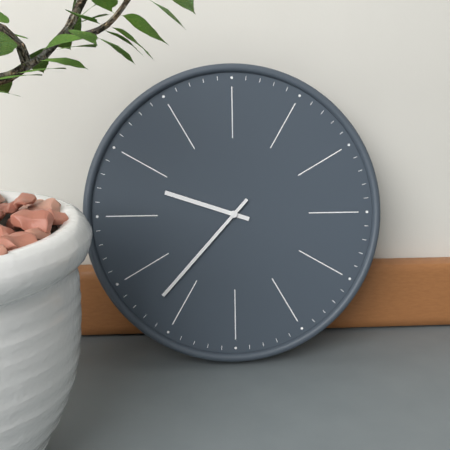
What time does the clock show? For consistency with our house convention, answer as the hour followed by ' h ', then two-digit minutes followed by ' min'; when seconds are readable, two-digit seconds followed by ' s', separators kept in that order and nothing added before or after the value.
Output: 9 h 37 min
